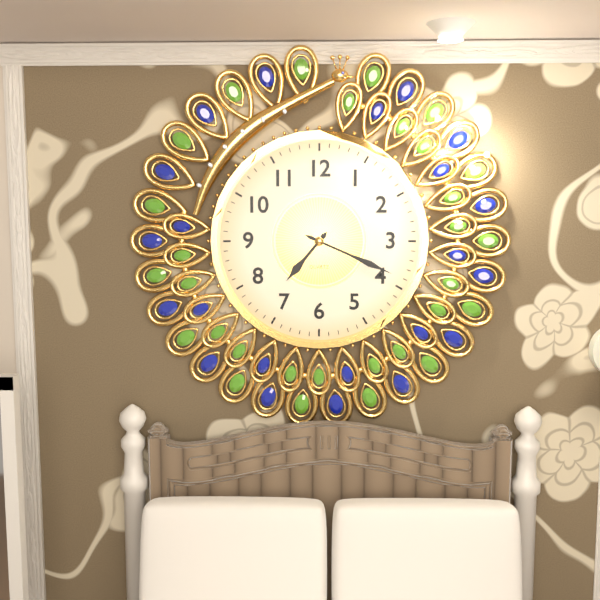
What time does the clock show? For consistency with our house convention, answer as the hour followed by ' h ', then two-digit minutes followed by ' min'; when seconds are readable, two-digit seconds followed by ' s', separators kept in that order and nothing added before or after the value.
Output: 7 h 19 min
